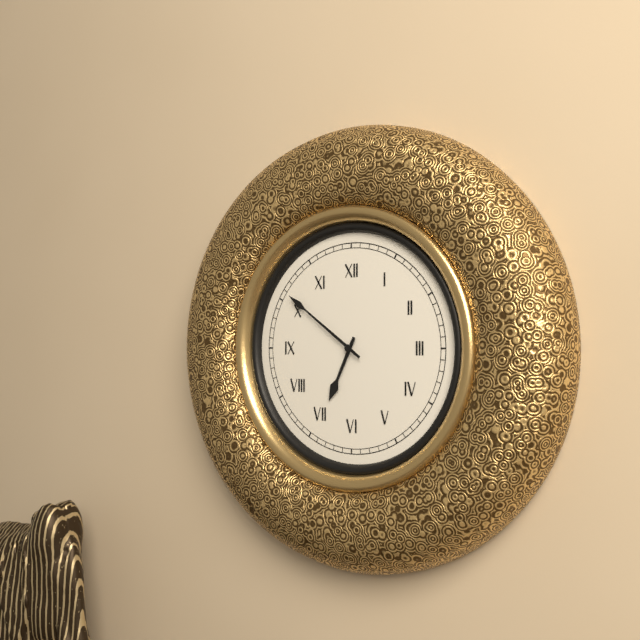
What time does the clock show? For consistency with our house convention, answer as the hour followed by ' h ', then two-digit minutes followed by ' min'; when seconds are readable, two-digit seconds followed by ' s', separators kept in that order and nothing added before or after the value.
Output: 6 h 51 min
